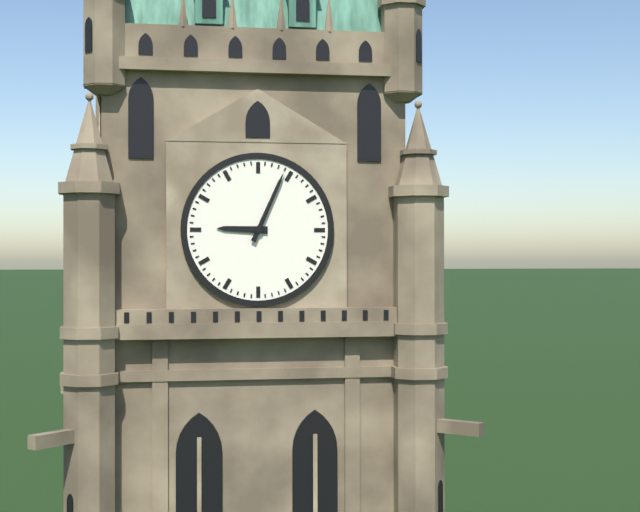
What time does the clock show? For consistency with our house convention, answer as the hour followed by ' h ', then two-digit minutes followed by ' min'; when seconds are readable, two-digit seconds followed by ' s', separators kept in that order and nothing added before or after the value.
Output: 9 h 04 min
